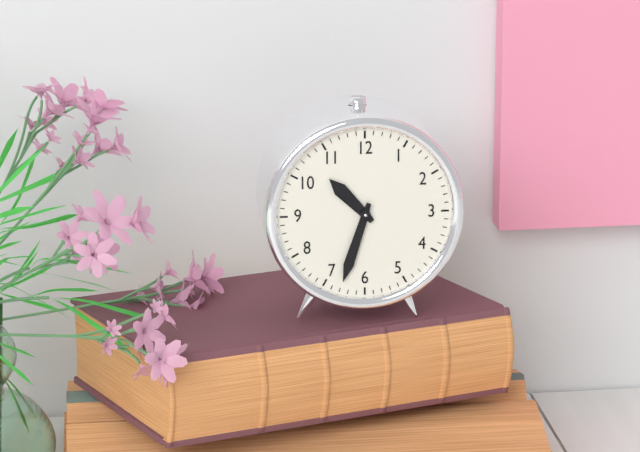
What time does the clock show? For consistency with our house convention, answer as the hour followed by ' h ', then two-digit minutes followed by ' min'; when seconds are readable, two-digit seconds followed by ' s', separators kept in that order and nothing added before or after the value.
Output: 10 h 33 min
